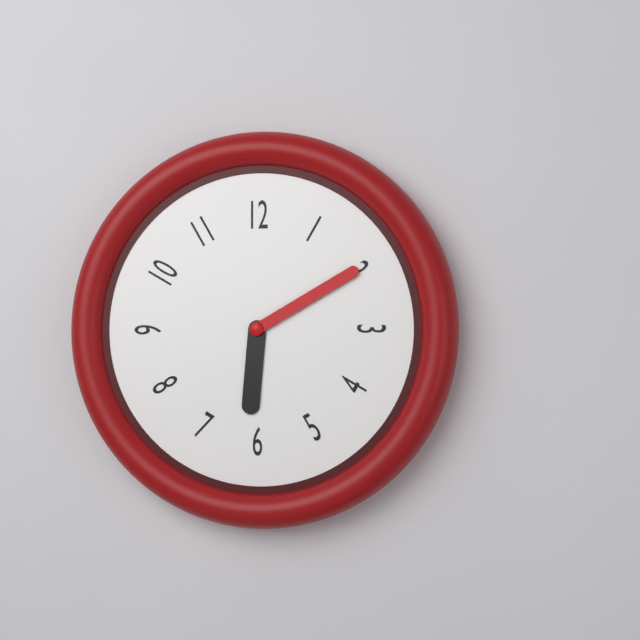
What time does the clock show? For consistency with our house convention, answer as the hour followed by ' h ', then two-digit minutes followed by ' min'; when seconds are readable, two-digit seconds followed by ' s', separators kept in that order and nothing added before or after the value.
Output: 6 h 10 min
